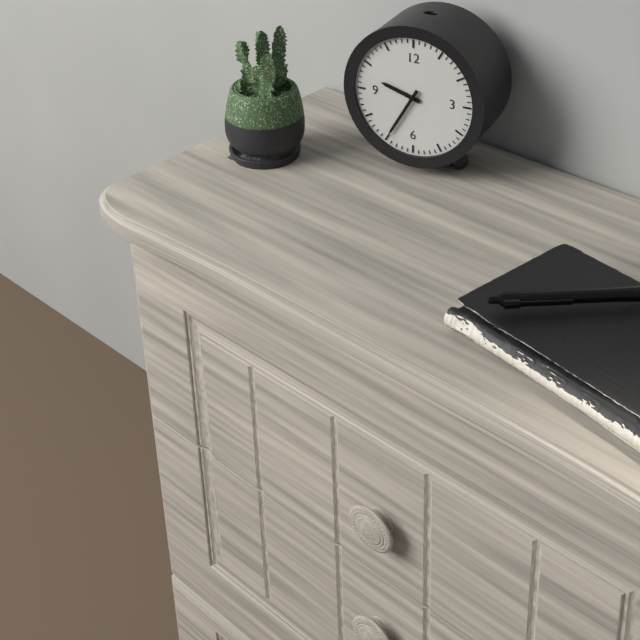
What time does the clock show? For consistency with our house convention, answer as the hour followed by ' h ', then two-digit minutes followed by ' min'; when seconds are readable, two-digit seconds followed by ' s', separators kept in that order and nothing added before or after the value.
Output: 9 h 35 min
